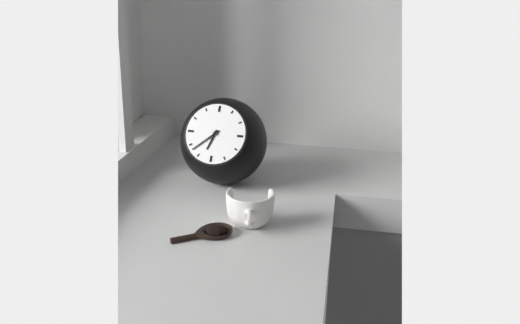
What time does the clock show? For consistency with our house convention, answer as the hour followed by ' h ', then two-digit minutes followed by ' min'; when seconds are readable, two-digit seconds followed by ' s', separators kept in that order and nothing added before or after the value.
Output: 6 h 38 min
